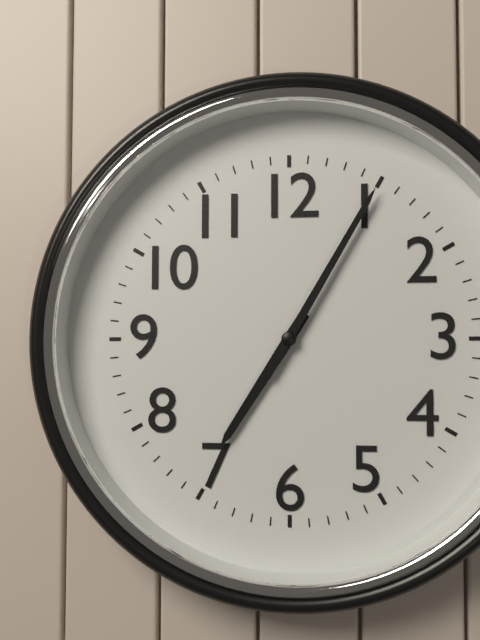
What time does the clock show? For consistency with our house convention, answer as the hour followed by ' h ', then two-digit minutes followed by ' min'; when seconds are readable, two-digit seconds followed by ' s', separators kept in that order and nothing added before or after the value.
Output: 7 h 05 min
